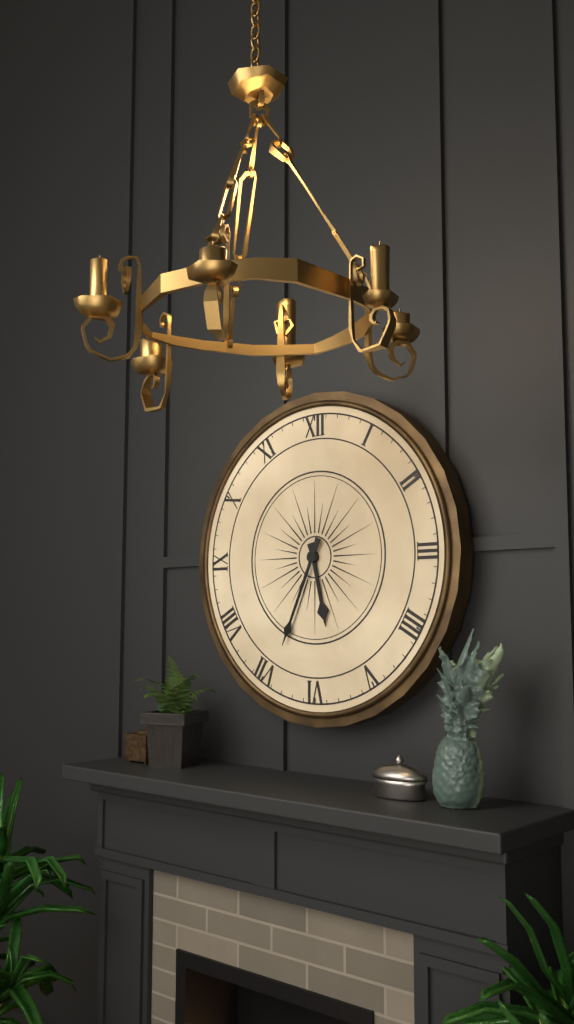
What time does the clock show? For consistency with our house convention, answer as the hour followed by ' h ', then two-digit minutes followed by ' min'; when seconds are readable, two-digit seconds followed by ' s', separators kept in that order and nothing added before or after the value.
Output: 5 h 34 min
